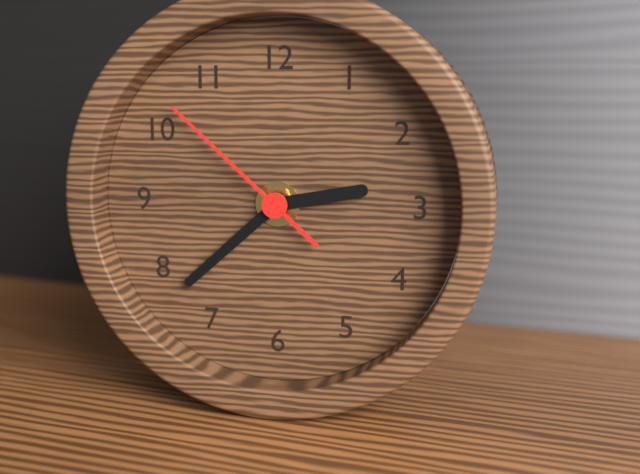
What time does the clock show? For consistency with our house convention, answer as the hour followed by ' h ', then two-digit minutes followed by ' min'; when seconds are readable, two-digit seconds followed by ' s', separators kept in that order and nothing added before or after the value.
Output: 2 h 38 min 52 s
